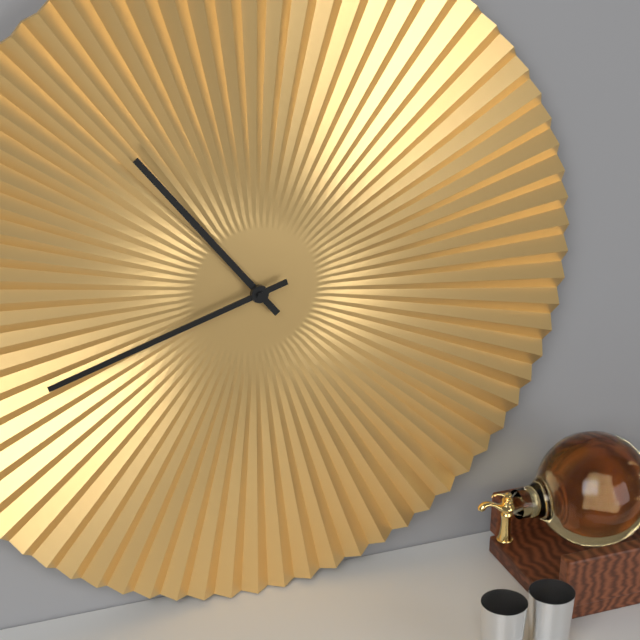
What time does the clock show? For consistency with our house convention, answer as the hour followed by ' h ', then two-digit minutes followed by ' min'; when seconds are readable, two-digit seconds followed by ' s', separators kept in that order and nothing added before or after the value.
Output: 10 h 42 min
